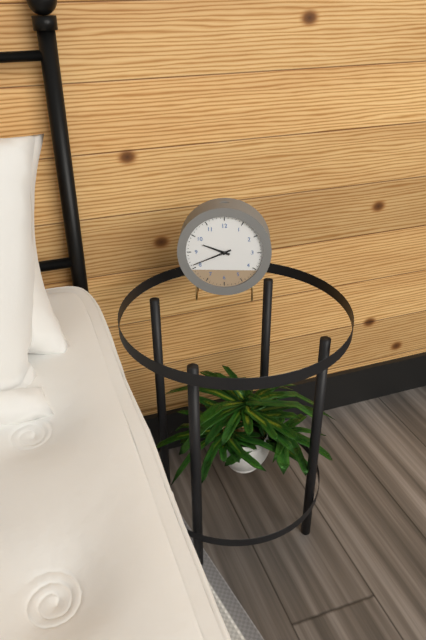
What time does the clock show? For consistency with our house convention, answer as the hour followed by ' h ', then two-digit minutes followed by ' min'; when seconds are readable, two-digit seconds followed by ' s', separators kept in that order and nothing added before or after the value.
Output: 9 h 41 min
